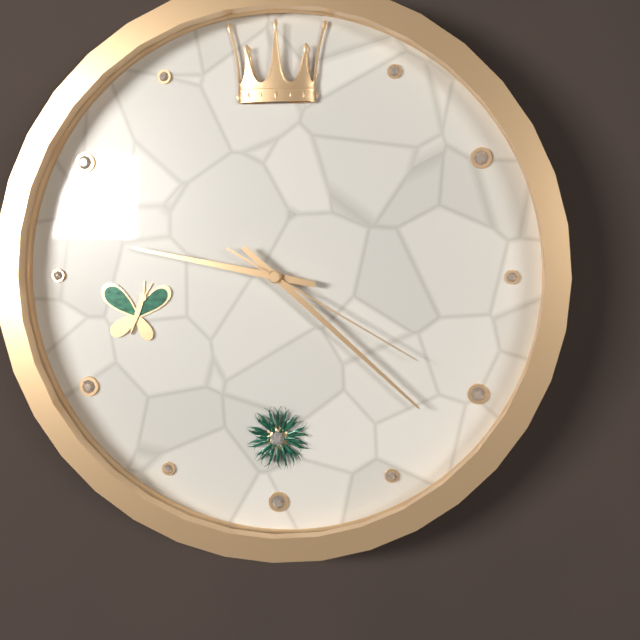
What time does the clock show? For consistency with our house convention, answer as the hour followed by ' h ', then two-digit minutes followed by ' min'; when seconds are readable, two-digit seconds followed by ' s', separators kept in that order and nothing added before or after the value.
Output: 9 h 22 min 20 s
